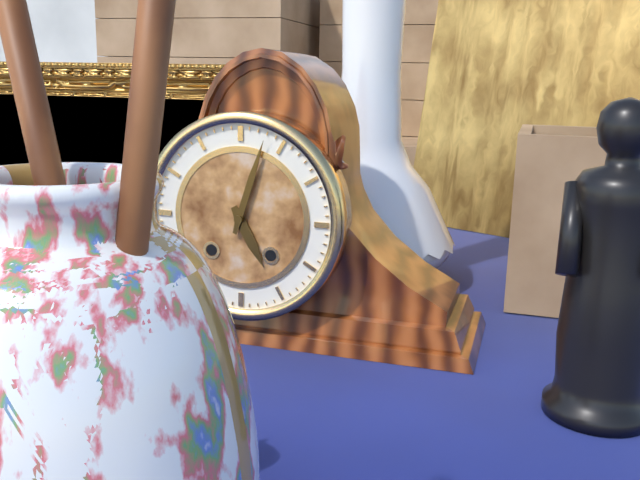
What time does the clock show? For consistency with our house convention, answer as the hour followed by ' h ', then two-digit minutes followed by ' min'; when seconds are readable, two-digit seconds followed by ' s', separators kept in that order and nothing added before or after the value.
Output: 5 h 03 min
